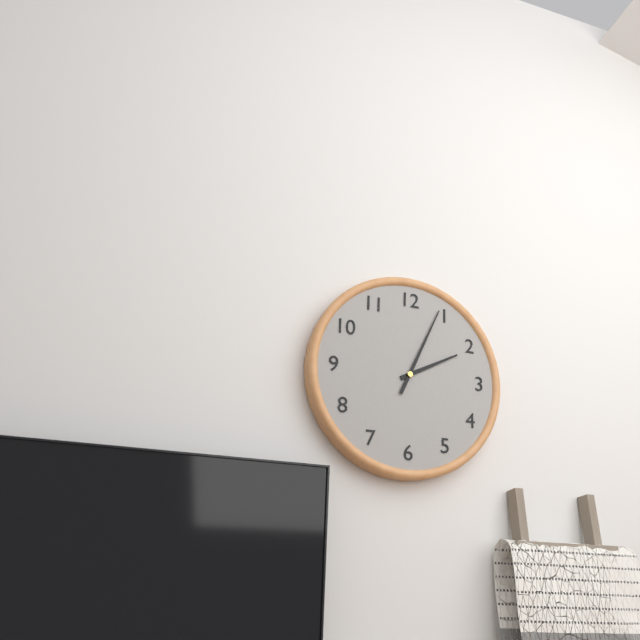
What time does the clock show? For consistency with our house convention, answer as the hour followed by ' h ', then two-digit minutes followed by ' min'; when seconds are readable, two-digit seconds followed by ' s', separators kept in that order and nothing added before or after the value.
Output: 2 h 04 min
